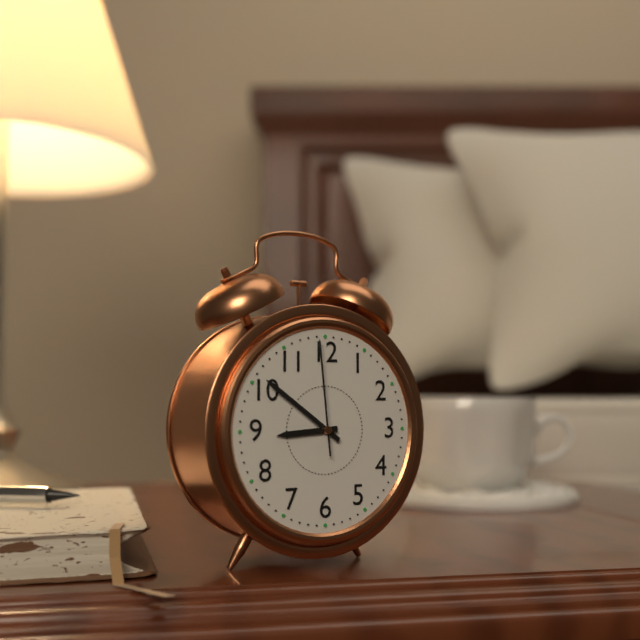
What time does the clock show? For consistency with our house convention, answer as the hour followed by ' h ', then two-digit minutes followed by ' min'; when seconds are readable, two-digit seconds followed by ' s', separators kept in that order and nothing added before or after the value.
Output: 8 h 51 min 59 s
